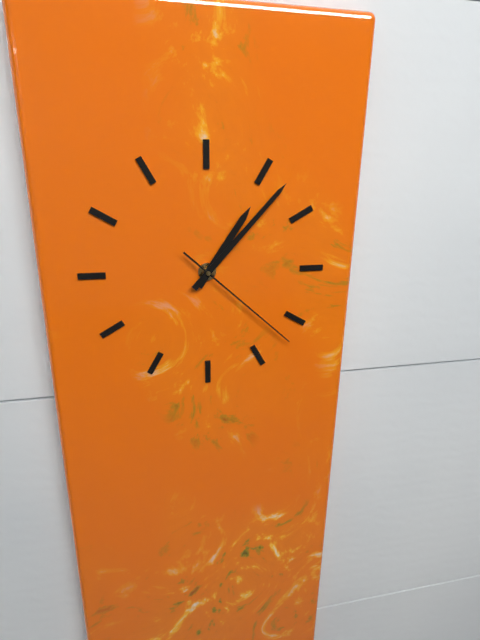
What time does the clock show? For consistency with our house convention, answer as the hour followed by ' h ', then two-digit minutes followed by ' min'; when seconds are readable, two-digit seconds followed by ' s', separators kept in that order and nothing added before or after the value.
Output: 1 h 07 min 22 s
